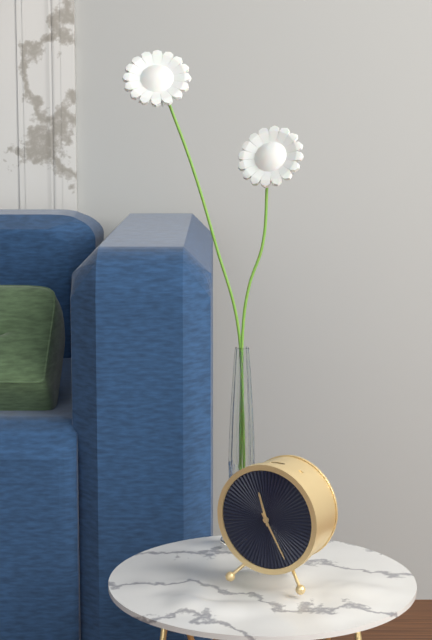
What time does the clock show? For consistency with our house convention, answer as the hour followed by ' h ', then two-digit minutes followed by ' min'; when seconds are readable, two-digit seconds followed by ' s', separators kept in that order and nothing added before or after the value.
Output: 11 h 25 min
